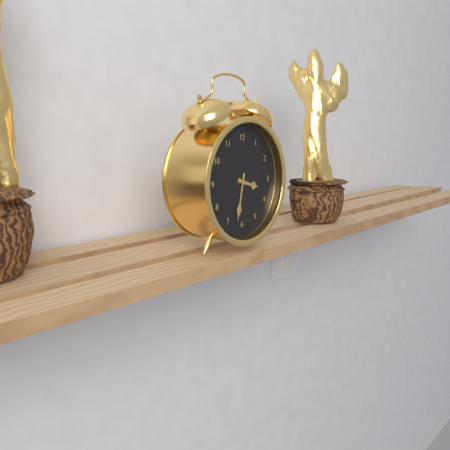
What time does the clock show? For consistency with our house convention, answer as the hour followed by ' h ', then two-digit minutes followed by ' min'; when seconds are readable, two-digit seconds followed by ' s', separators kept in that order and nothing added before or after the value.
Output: 3 h 32 min
